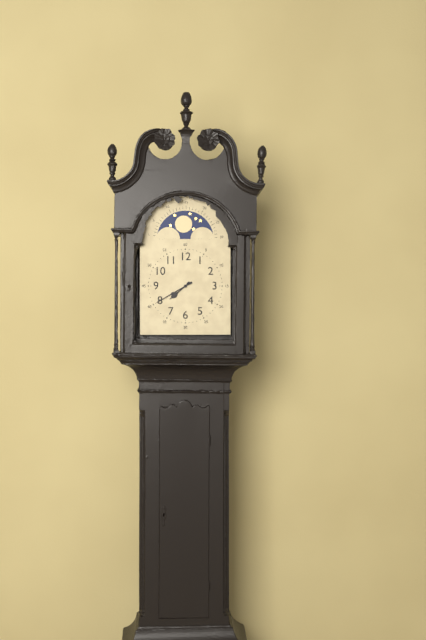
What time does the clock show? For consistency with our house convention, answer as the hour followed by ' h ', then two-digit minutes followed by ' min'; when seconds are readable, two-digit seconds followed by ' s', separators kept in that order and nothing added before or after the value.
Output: 7 h 40 min
